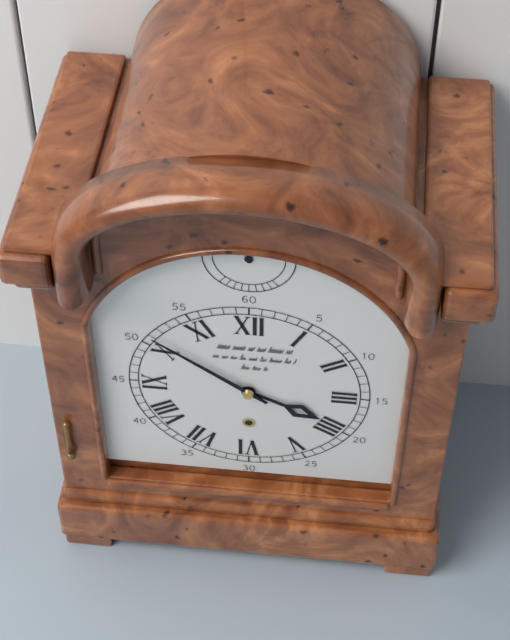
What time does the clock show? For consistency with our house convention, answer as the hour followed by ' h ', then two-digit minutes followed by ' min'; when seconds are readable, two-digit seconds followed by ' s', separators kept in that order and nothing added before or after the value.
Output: 3 h 51 min
